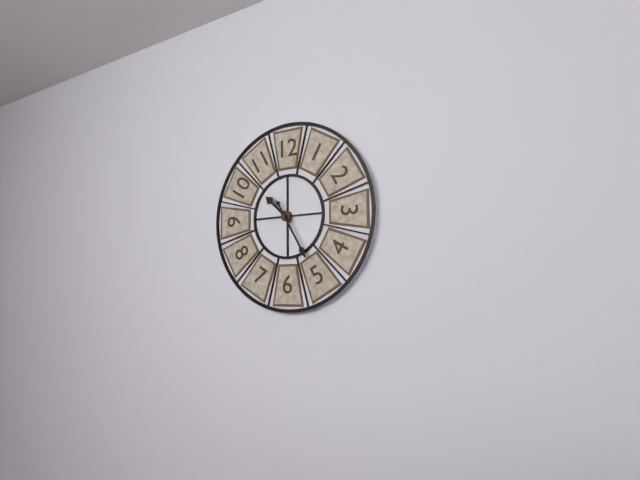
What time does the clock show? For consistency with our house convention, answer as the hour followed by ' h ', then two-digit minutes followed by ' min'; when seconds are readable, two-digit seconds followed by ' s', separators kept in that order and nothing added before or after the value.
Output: 10 h 25 min
